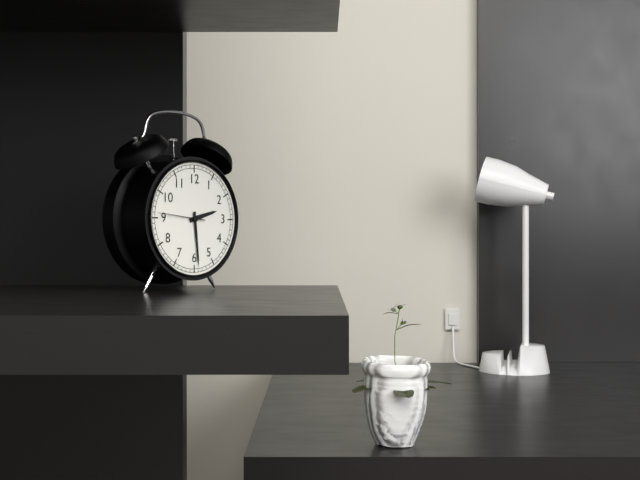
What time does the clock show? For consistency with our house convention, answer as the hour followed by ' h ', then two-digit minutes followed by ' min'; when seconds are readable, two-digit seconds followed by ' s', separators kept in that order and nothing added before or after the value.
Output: 2 h 29 min 46 s
